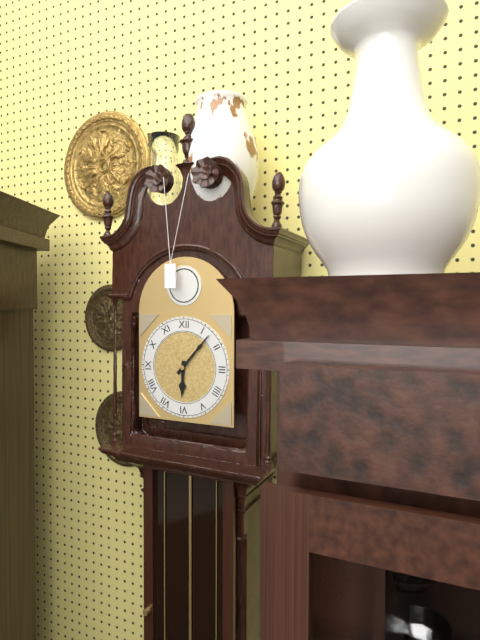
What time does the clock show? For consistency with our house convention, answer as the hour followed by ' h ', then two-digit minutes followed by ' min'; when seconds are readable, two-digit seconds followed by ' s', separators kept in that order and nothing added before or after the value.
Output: 6 h 07 min
